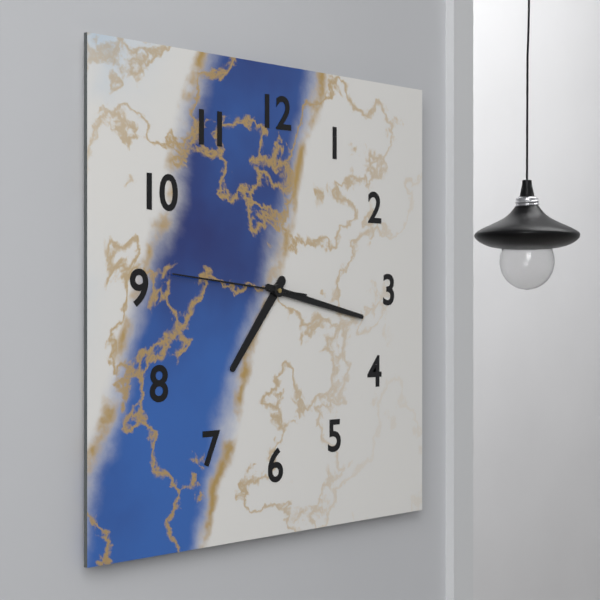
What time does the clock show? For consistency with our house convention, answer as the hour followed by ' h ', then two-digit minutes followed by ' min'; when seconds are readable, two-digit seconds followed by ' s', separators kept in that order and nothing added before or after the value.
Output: 7 h 17 min 46 s
